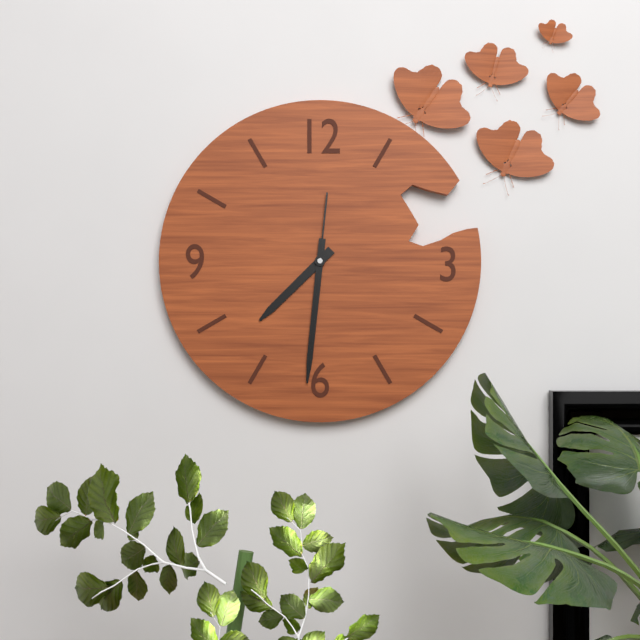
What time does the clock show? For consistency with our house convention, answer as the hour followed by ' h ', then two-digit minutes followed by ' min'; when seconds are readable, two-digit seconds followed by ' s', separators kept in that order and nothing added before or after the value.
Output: 7 h 31 min 31 s
